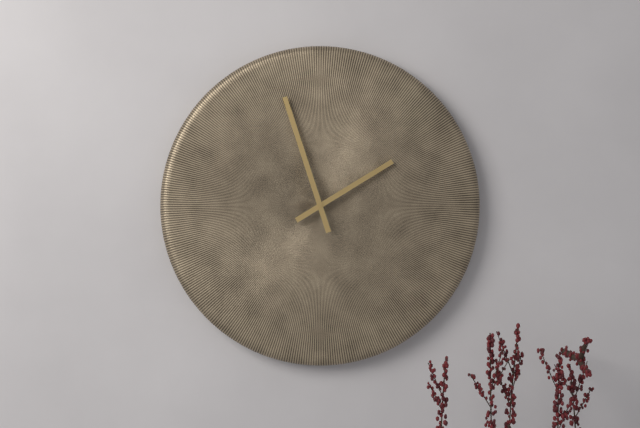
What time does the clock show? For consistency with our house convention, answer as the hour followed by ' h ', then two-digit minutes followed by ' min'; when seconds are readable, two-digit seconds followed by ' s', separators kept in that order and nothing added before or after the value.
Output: 1 h 57 min
